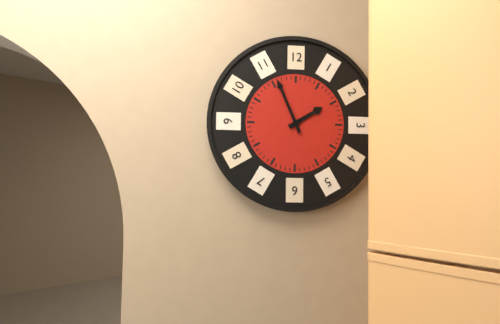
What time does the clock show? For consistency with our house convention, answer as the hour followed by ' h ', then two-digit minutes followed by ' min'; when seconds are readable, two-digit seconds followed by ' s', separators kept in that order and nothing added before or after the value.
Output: 1 h 56 min
